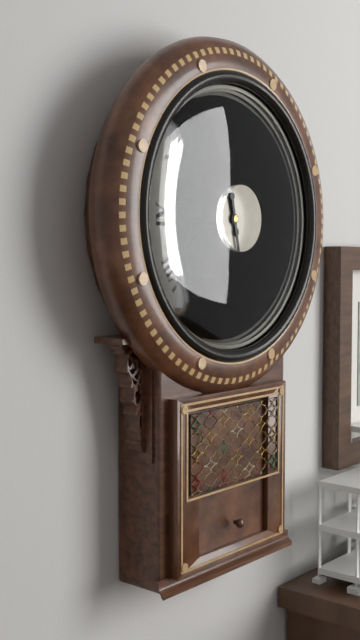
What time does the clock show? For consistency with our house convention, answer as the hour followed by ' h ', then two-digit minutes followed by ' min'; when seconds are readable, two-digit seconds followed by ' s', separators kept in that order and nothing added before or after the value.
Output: 11 h 28 min
